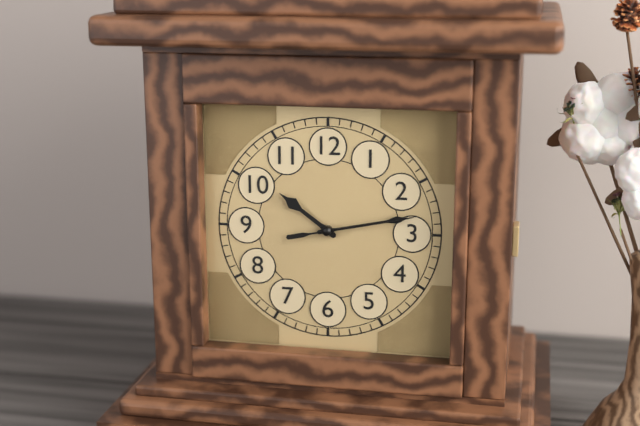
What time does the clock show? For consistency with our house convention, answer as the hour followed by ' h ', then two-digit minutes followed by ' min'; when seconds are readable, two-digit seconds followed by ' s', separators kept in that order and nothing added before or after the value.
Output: 10 h 13 min 13 s
